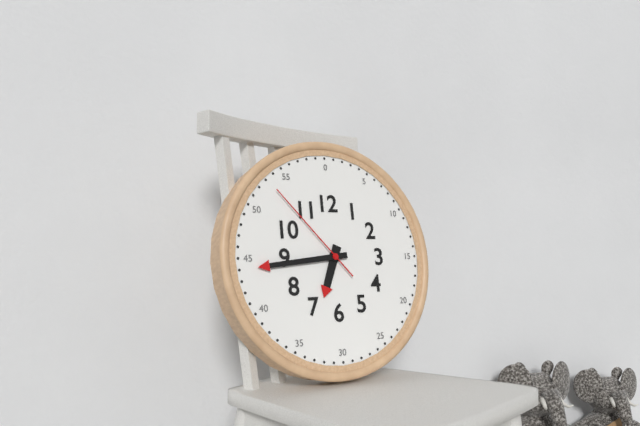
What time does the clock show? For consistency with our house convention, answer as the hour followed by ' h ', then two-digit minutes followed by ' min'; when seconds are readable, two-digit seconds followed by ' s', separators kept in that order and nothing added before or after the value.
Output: 6 h 44 min 53 s
